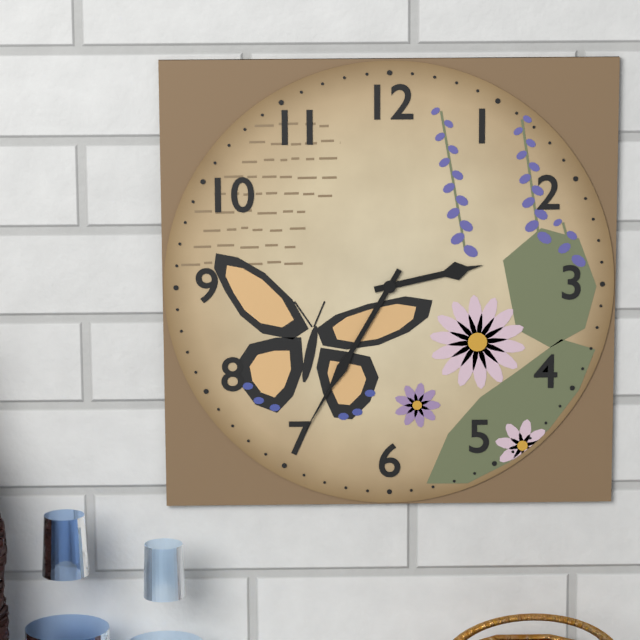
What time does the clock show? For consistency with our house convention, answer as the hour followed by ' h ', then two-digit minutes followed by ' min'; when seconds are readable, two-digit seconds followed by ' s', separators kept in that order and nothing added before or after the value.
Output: 2 h 35 min
